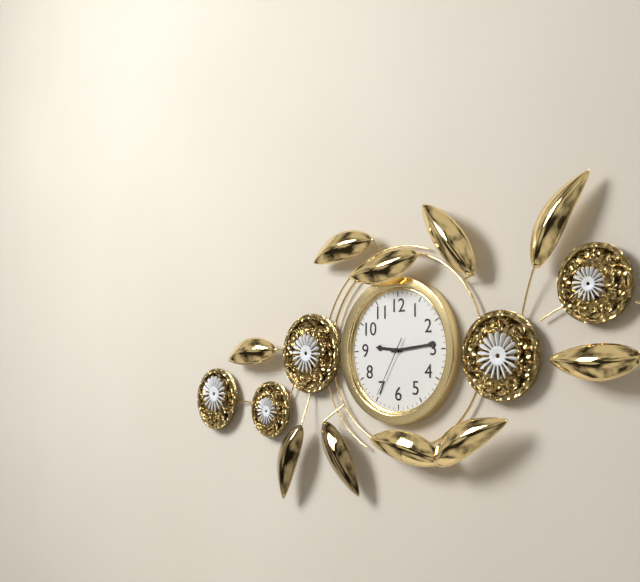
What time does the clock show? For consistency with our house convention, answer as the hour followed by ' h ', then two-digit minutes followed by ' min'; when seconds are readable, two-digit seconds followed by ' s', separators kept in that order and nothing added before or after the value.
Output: 9 h 14 min 35 s
